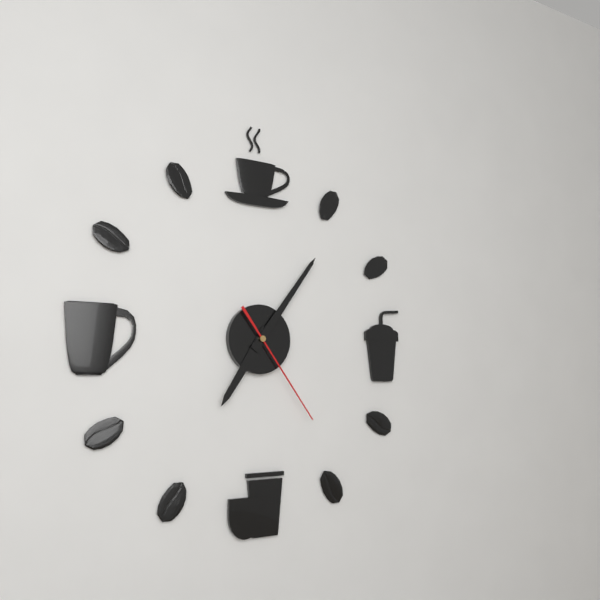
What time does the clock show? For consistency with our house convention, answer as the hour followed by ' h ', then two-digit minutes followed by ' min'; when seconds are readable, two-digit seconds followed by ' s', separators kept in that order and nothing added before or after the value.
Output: 7 h 06 min 24 s
